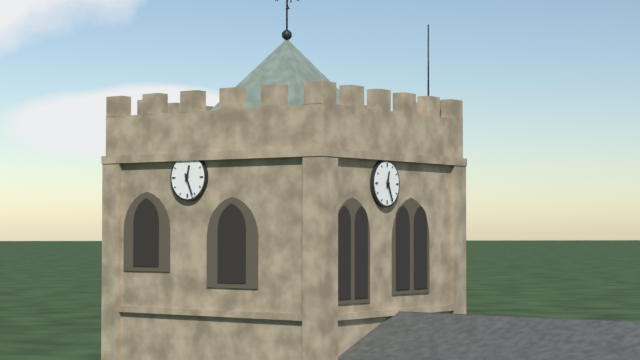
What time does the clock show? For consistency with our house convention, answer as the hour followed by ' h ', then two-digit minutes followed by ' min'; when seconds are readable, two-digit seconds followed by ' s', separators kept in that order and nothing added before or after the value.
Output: 12 h 26 min
